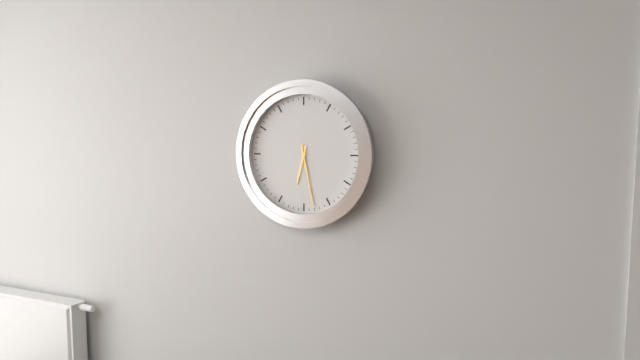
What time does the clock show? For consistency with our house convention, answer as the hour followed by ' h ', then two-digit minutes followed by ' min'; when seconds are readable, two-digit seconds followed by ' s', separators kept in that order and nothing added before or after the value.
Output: 6 h 28 min
